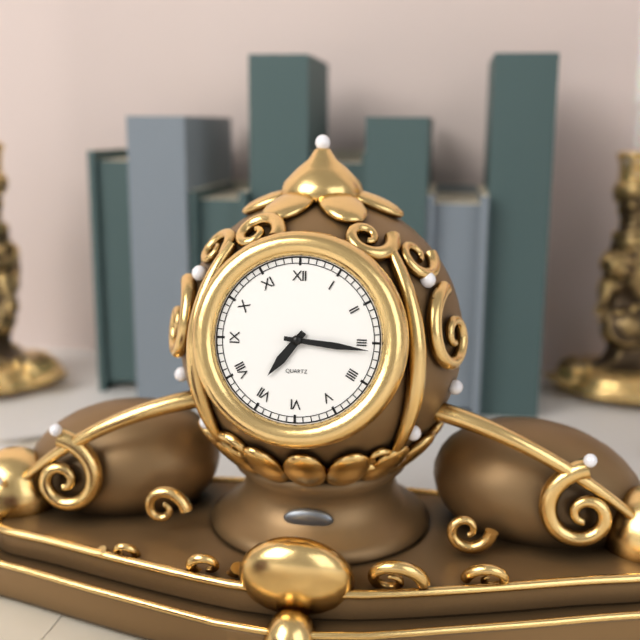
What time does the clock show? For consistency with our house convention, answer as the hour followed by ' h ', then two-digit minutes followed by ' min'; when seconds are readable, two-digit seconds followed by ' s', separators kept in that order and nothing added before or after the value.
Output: 7 h 16 min
